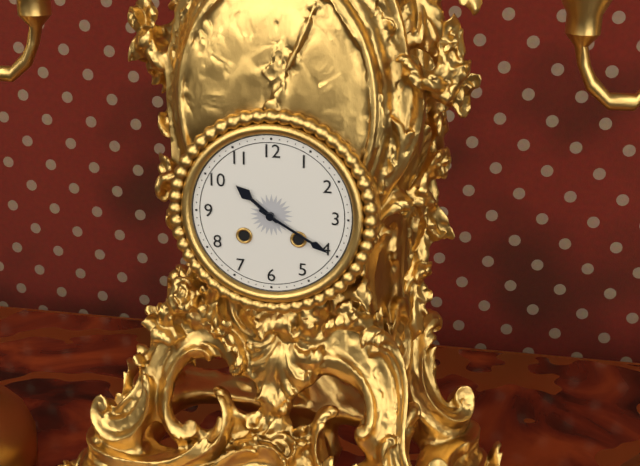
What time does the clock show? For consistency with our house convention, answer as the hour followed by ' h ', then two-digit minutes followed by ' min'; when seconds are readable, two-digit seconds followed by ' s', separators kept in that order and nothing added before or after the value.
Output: 10 h 20 min
